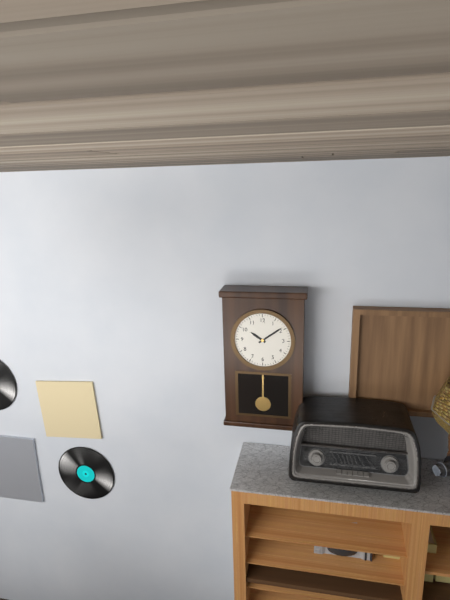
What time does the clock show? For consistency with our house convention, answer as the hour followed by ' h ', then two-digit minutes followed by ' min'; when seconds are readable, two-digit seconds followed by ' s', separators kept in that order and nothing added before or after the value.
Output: 10 h 09 min
